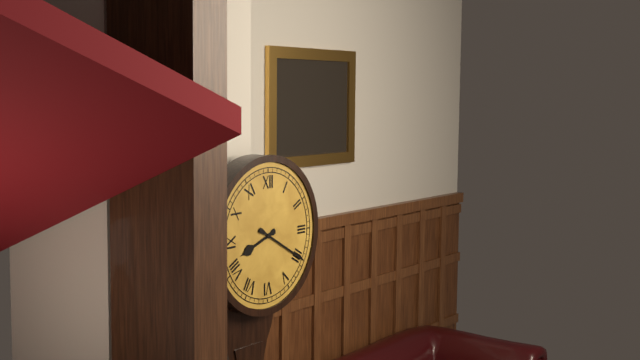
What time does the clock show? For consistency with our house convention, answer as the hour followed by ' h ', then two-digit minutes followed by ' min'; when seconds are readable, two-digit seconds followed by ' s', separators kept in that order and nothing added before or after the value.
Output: 8 h 20 min
